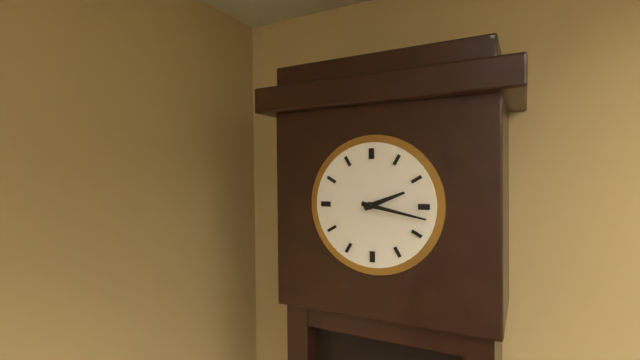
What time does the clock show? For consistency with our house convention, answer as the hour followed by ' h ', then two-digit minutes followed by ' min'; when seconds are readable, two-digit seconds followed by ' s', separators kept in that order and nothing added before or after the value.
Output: 2 h 17 min
